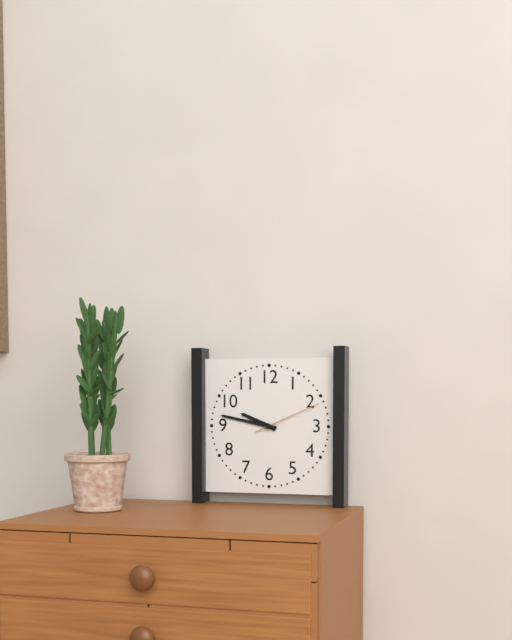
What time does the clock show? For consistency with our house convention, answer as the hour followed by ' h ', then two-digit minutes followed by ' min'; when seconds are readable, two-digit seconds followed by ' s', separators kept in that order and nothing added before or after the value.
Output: 9 h 47 min 11 s
